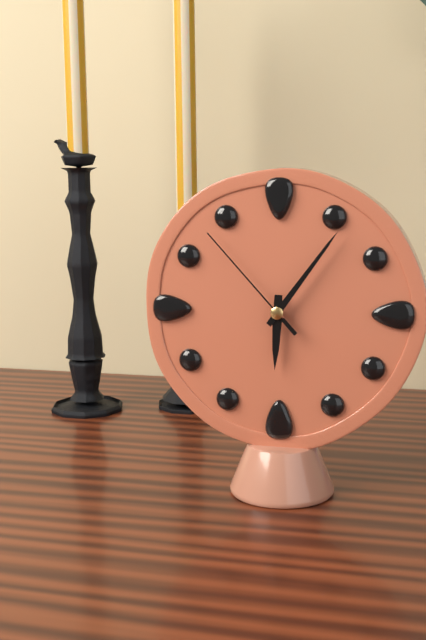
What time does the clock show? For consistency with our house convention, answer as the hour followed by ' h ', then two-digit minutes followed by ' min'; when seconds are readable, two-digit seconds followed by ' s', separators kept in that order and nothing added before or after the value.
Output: 6 h 06 min 53 s
